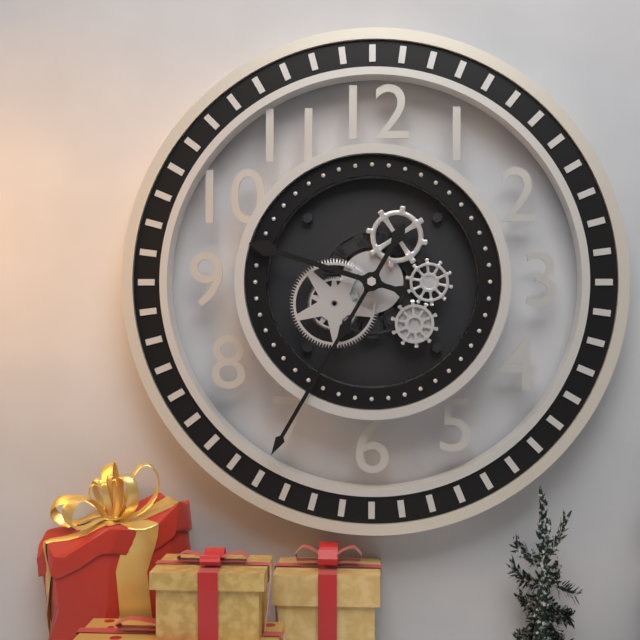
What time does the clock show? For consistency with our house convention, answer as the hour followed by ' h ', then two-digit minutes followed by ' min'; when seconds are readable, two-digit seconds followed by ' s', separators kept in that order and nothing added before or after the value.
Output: 9 h 35 min
